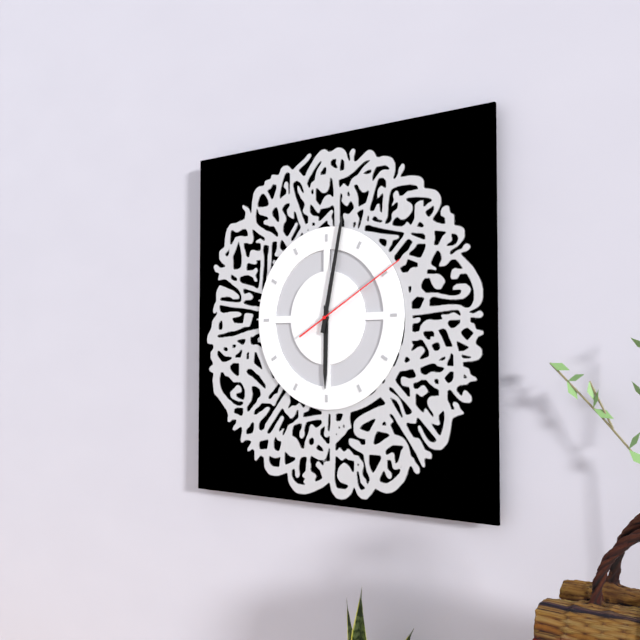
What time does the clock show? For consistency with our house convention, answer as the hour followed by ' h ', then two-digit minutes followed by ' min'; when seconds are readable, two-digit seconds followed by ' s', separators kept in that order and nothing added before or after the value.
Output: 6 h 02 min 10 s
